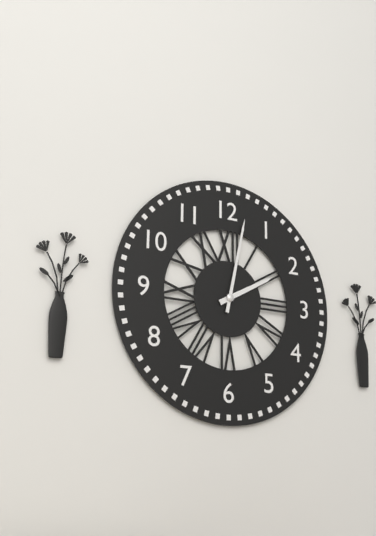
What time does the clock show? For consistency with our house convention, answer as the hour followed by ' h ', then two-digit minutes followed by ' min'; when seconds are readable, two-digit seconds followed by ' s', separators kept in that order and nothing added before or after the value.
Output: 2 h 02 min
